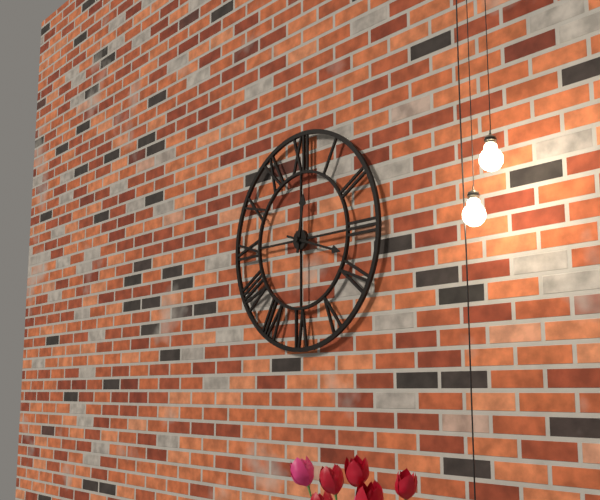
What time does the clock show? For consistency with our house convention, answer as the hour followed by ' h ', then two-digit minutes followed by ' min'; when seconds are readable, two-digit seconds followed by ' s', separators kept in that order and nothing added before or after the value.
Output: 12 h 18 min
